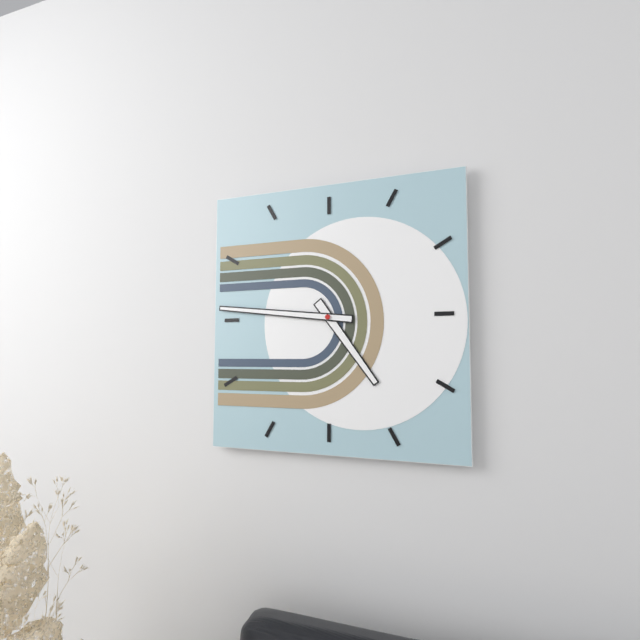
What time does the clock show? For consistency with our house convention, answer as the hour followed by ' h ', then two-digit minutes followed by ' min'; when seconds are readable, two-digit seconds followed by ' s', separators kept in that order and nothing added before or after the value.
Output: 4 h 46 min
